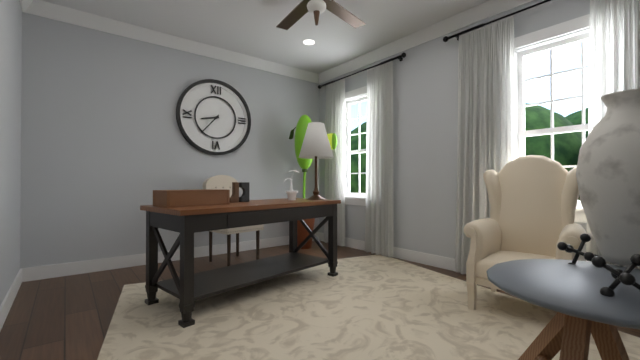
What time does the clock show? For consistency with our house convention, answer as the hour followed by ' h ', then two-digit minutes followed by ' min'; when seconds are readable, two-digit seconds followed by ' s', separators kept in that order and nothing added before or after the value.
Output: 8 h 37 min
